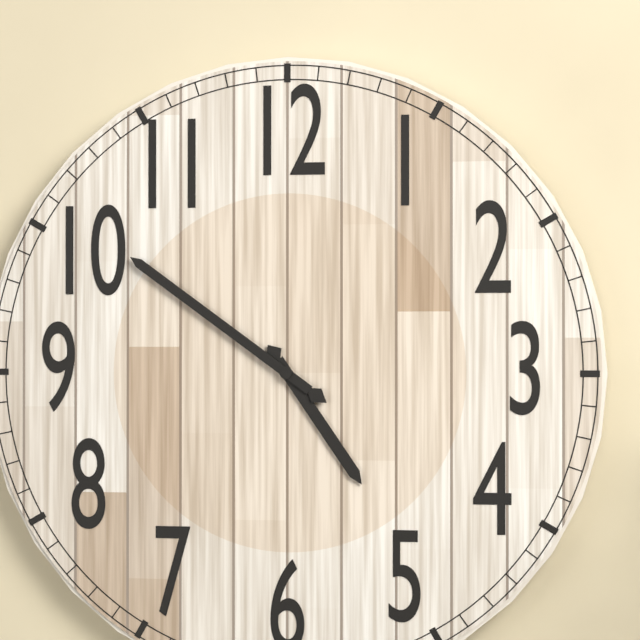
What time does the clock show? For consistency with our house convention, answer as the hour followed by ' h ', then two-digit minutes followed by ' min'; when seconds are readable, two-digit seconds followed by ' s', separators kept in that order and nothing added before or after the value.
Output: 4 h 51 min
